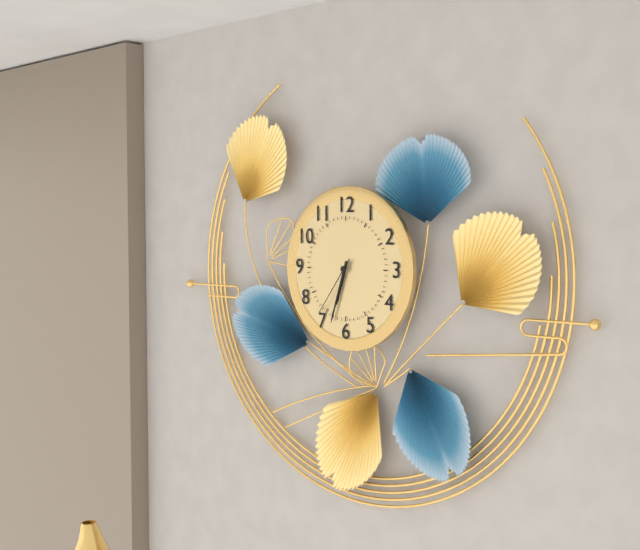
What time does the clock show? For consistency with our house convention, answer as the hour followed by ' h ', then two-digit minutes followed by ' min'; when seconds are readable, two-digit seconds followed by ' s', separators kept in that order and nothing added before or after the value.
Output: 6 h 33 min 36 s
